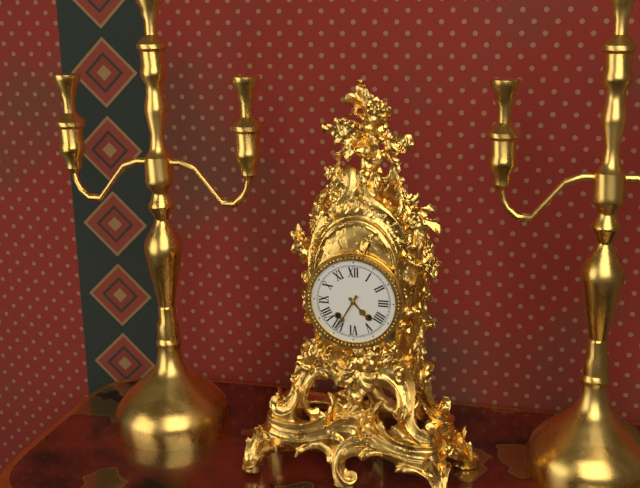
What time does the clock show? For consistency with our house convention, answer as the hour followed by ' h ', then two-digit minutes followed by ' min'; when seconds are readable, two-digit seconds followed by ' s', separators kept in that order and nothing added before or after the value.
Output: 4 h 35 min
